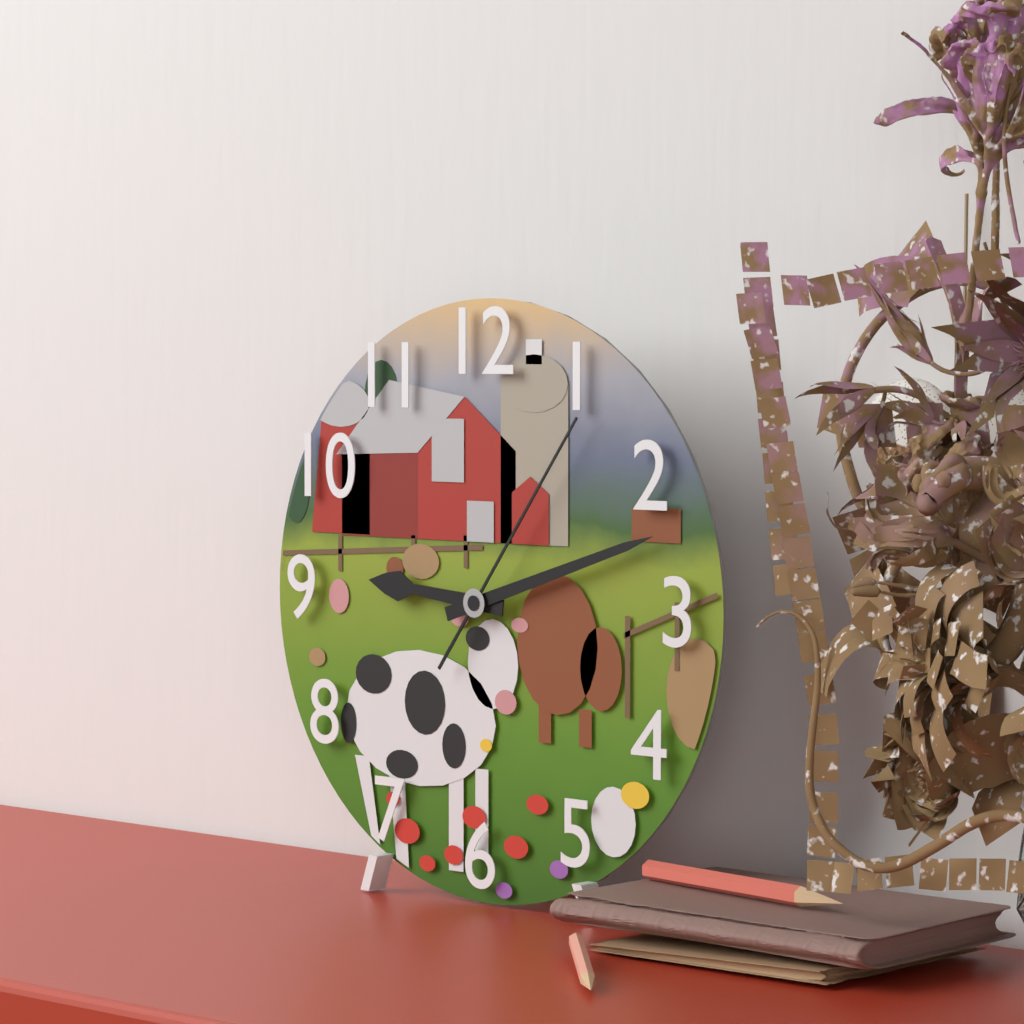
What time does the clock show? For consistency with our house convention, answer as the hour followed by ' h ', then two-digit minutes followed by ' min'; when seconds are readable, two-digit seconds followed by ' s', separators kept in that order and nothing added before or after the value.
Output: 9 h 12 min 06 s
